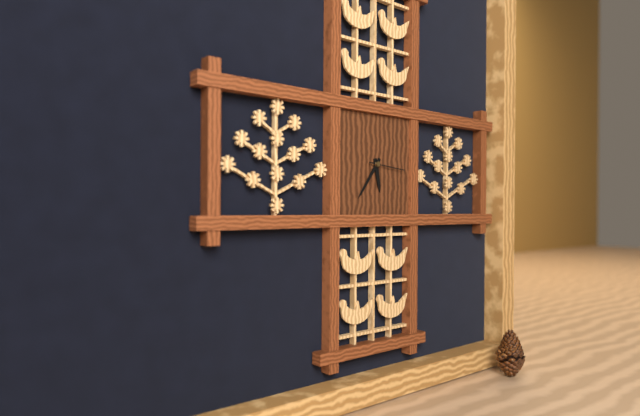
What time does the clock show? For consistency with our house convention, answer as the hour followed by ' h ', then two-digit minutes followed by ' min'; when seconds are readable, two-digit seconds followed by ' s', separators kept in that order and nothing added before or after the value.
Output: 5 h 36 min
